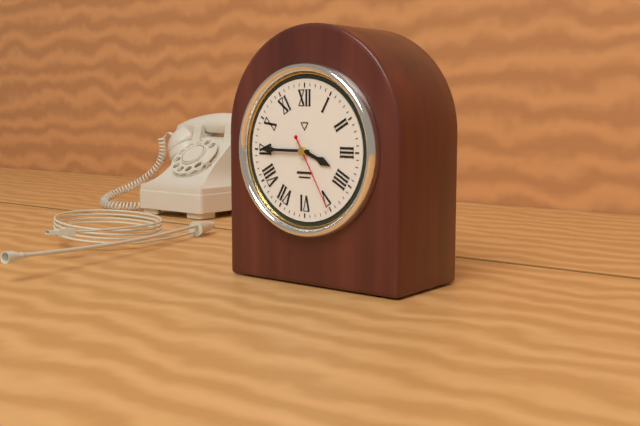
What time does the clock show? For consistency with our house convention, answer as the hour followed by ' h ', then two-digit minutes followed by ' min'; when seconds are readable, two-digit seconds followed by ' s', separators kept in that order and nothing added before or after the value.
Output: 3 h 45 min 25 s
